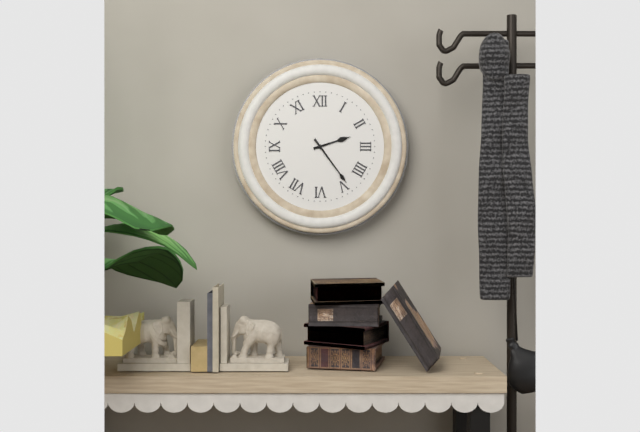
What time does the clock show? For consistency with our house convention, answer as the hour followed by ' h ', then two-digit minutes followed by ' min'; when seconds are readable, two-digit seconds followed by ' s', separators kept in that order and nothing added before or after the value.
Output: 2 h 24 min
